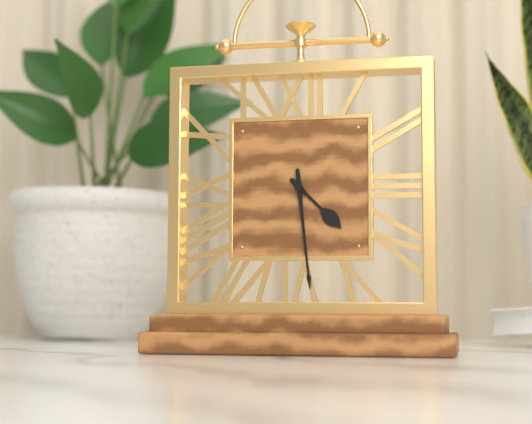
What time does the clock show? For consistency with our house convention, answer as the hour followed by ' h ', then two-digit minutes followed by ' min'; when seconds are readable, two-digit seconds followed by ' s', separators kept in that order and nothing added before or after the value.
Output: 4 h 29 min
